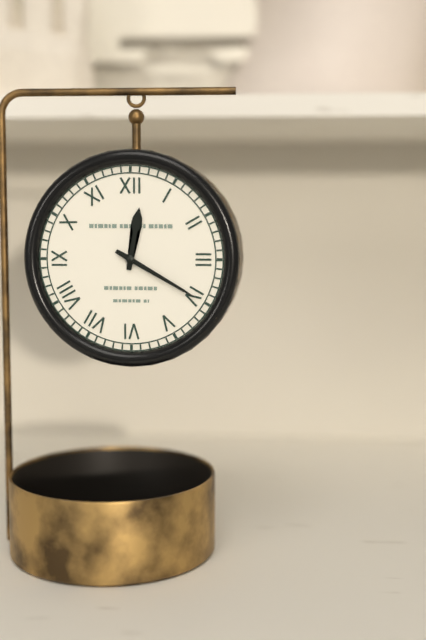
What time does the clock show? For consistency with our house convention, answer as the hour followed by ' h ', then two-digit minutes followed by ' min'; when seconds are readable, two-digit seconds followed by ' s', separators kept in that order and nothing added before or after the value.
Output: 12 h 20 min
